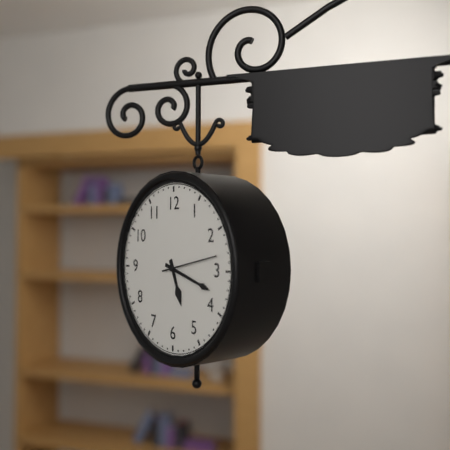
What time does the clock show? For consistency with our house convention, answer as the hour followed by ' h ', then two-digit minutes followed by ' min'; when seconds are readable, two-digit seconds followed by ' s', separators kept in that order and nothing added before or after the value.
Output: 5 h 18 min 13 s
